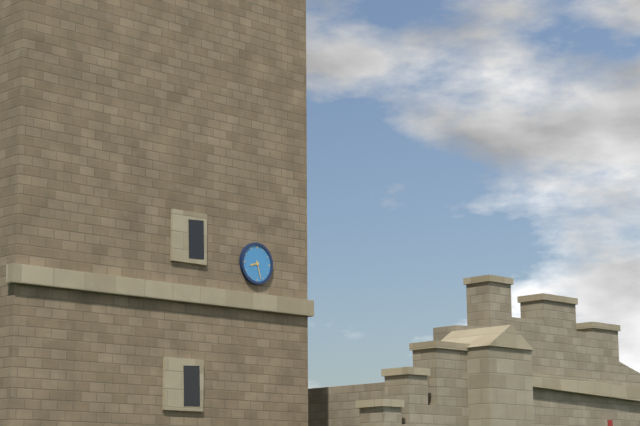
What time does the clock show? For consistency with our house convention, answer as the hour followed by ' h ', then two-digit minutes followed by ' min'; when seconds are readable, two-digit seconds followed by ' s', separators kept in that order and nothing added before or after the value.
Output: 8 h 27 min
